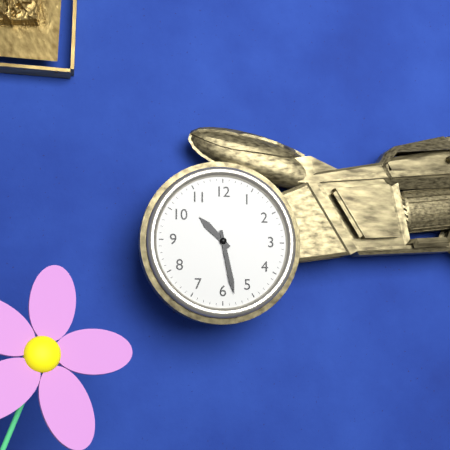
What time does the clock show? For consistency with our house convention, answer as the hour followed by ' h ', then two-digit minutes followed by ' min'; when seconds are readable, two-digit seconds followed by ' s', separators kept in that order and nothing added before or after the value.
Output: 10 h 28 min
